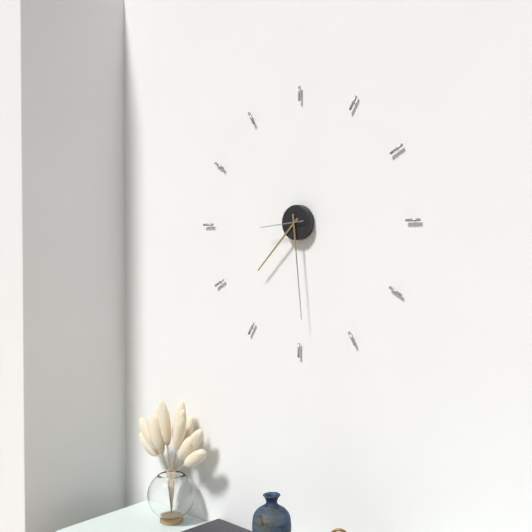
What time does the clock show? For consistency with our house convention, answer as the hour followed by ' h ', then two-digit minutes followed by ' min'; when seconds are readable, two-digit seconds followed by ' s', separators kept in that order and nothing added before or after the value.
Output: 7 h 29 min
